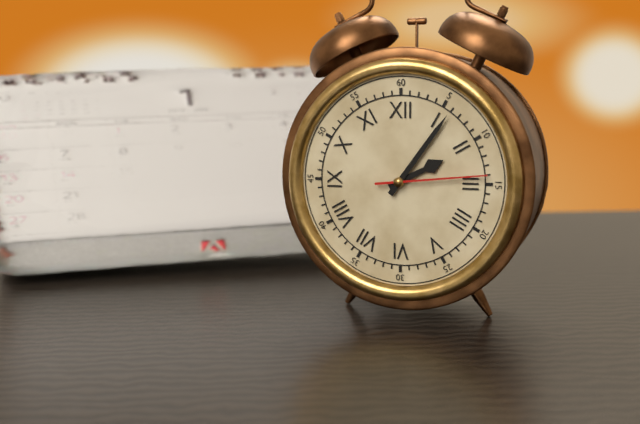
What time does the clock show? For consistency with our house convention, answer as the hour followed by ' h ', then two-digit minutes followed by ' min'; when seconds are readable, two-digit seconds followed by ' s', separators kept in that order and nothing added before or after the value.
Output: 2 h 06 min 14 s
